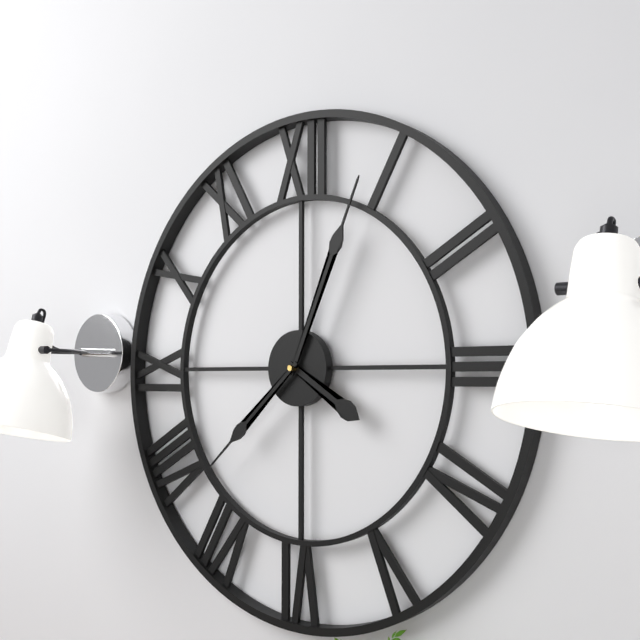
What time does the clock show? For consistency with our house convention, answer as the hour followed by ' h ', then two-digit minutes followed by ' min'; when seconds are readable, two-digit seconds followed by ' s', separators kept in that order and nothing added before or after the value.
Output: 4 h 04 min 38 s
